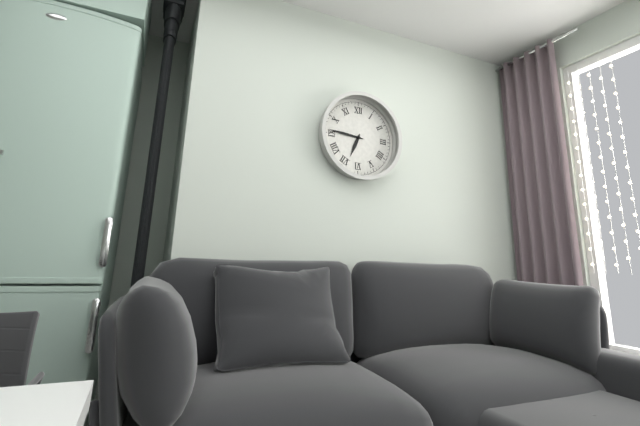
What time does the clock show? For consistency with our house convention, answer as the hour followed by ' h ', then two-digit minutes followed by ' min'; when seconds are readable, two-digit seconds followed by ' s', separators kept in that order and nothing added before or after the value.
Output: 6 h 46 min
